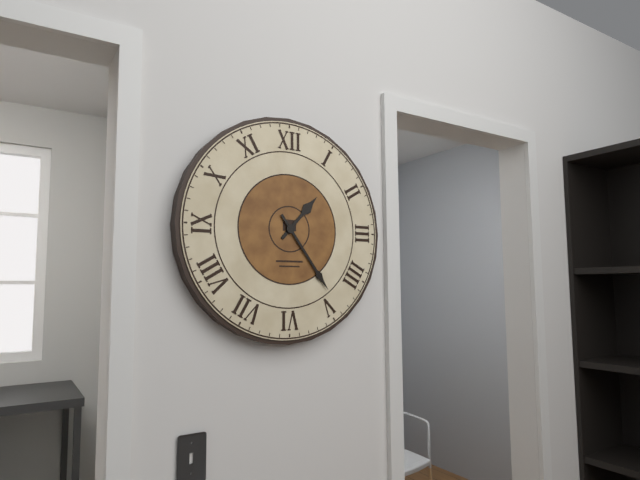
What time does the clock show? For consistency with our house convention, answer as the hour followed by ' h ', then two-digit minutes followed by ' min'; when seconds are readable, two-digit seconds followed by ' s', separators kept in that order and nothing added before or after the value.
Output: 1 h 24 min
